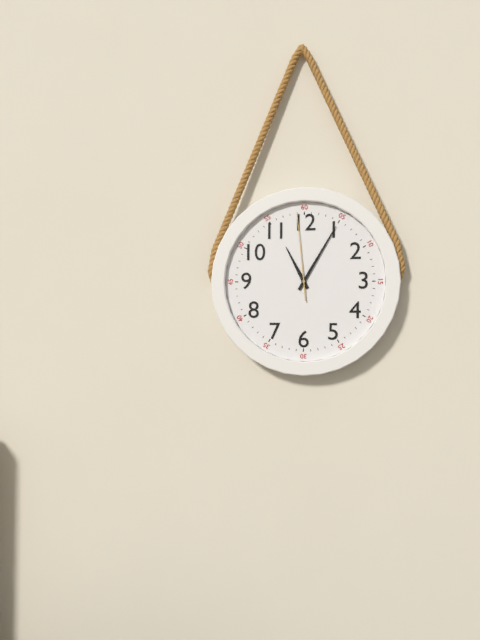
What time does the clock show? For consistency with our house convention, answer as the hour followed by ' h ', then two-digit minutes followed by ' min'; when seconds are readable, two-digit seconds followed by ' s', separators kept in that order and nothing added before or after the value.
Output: 11 h 05 min 59 s
